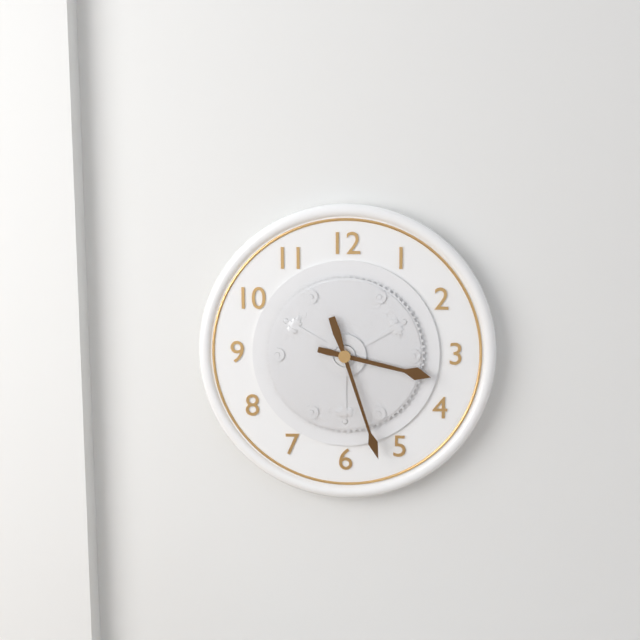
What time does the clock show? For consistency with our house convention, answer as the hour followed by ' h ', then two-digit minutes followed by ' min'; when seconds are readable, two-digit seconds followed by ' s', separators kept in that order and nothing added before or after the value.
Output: 3 h 27 min
